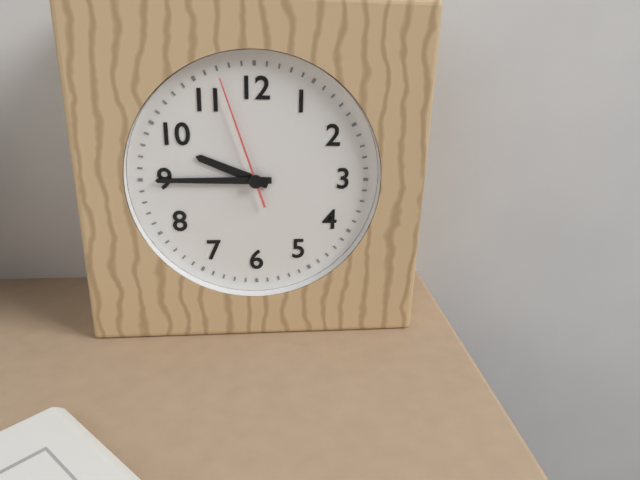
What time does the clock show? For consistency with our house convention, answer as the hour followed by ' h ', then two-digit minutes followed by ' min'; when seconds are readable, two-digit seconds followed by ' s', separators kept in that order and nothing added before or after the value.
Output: 9 h 45 min 57 s
